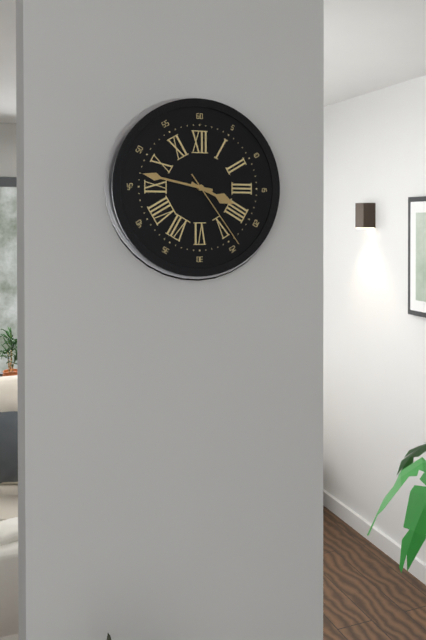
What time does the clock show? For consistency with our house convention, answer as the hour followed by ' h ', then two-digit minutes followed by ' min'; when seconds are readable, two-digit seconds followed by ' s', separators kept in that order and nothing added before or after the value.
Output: 3 h 47 min 24 s
